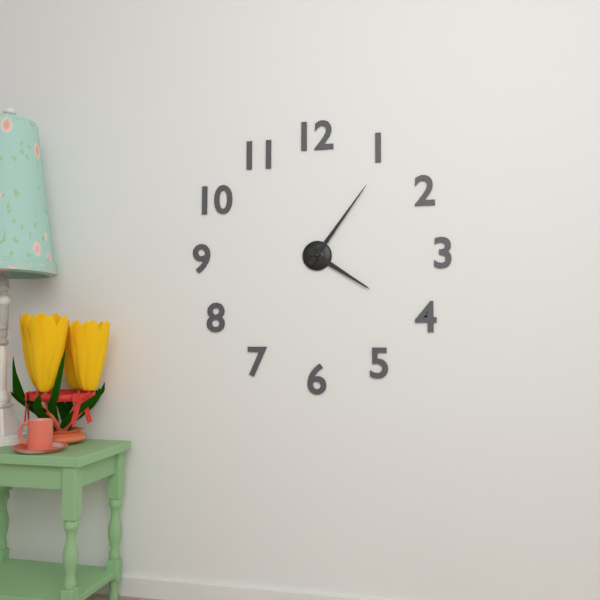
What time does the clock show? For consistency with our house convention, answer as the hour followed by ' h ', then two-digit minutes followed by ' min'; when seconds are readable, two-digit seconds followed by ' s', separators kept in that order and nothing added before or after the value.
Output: 4 h 06 min
